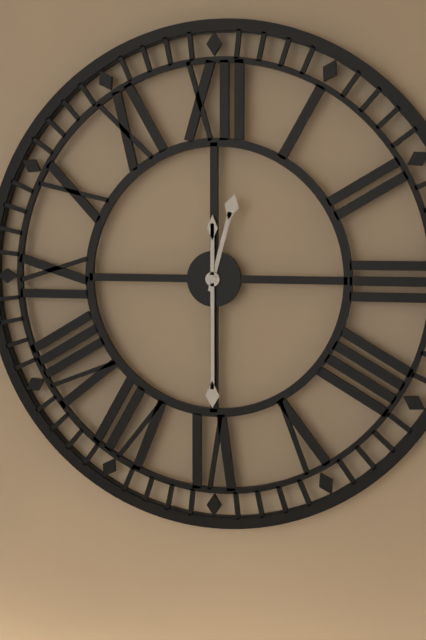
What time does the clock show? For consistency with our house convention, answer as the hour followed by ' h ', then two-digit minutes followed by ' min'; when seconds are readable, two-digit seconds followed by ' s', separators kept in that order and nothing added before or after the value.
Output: 12 h 30 min
